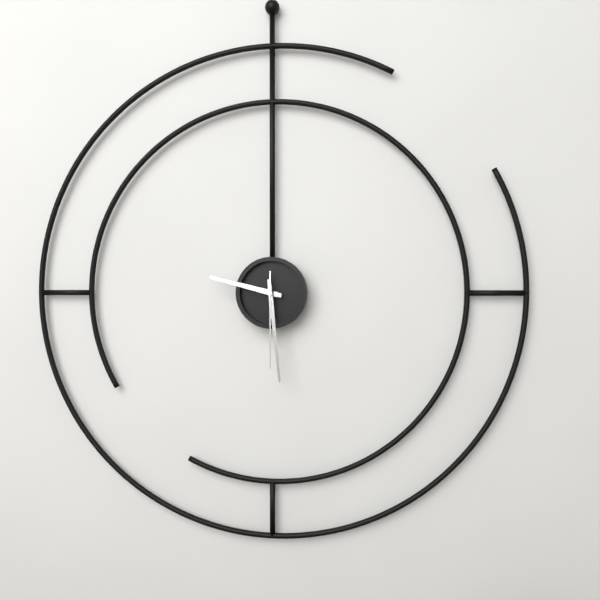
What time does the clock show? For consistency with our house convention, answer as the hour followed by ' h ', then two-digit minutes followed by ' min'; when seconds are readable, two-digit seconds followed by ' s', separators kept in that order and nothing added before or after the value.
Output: 9 h 29 min 30 s
